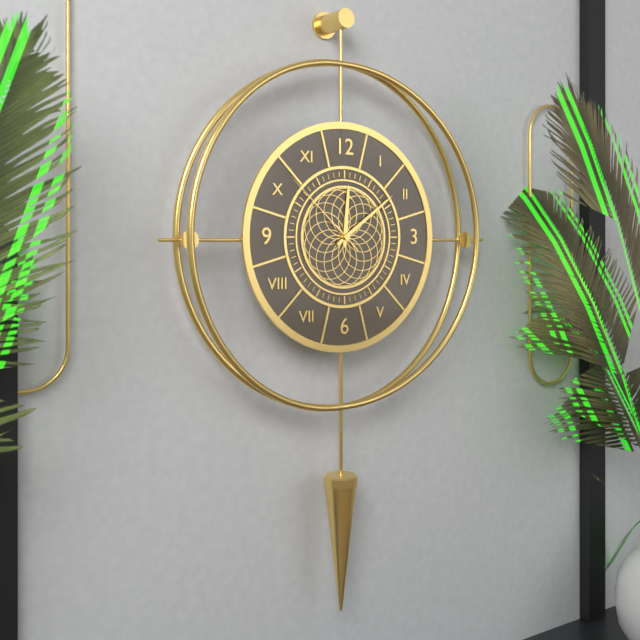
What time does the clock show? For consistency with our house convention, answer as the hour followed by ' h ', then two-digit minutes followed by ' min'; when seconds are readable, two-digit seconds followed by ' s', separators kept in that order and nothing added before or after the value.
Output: 12 h 09 min 52 s
